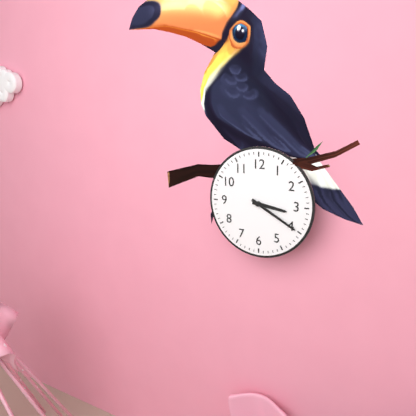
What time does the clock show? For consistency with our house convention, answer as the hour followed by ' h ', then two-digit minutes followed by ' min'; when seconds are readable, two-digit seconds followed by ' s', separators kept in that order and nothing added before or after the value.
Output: 3 h 20 min
